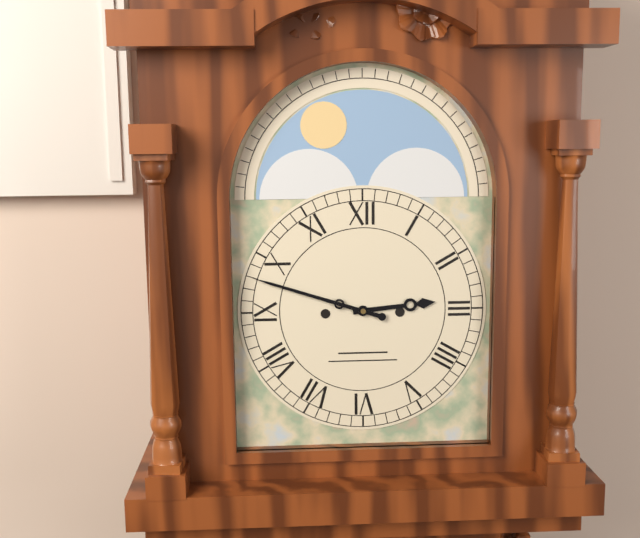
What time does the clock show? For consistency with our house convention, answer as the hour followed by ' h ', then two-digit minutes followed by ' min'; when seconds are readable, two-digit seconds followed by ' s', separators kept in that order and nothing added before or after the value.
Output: 2 h 48 min
